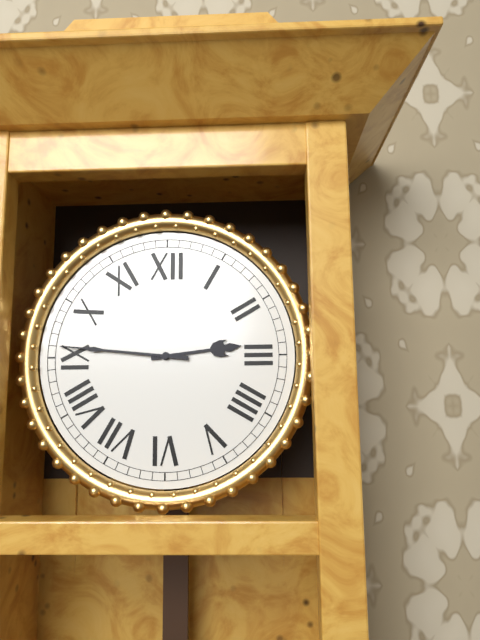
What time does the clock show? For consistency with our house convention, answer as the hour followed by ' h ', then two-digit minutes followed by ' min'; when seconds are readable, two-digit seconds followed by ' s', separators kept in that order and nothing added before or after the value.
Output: 2 h 46 min
